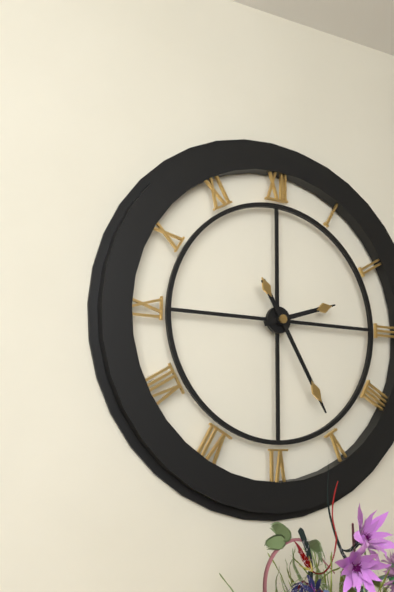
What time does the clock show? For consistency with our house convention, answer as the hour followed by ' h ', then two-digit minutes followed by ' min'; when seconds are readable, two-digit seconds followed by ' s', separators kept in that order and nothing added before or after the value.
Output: 2 h 25 min
